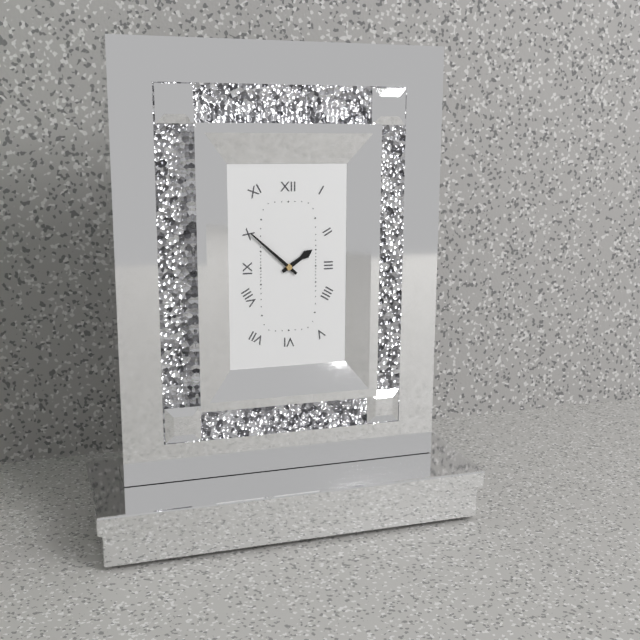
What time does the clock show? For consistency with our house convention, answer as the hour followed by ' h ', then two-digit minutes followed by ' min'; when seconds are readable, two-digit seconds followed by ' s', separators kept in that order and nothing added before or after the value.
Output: 1 h 52 min
